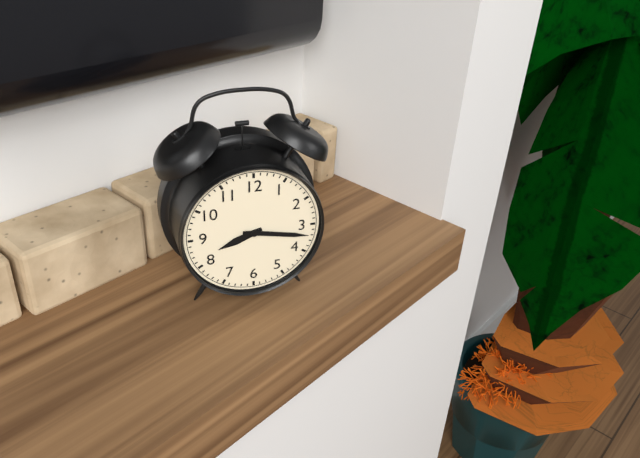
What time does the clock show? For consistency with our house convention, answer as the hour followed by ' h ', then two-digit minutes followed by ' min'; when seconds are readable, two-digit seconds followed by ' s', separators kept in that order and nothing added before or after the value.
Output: 8 h 17 min
